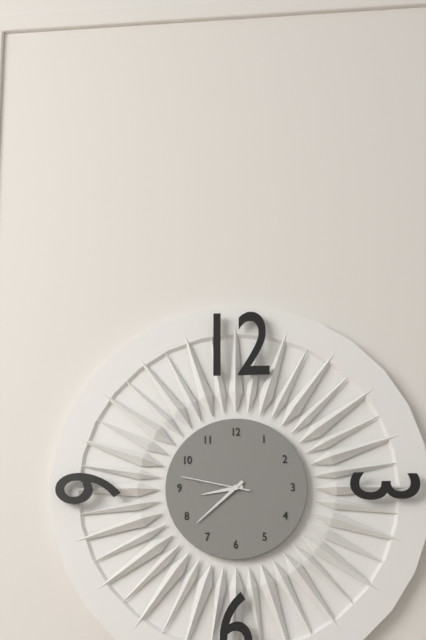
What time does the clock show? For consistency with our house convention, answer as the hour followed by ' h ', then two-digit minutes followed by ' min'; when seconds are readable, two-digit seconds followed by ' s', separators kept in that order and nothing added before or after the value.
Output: 8 h 38 min 47 s
